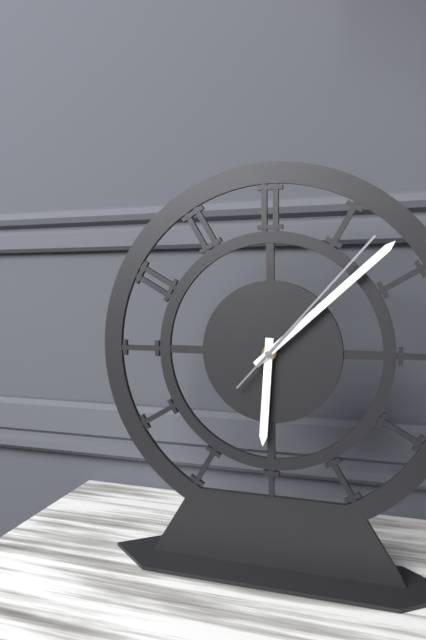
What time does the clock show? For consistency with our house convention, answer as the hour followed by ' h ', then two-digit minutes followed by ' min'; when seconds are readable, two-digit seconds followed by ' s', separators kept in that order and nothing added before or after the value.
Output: 6 h 08 min 07 s
